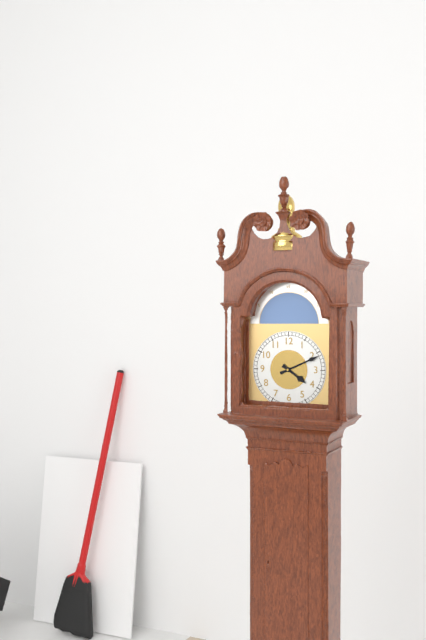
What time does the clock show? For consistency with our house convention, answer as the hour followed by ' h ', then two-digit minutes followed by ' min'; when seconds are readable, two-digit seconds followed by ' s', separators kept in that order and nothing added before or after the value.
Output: 4 h 11 min
